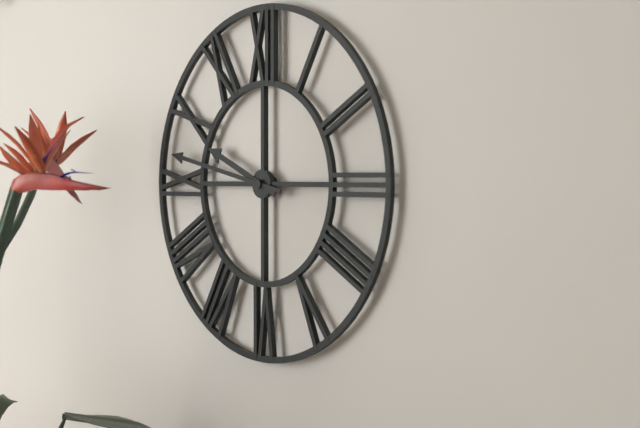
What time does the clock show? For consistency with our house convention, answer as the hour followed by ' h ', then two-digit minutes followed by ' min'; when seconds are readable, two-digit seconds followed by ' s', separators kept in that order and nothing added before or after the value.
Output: 9 h 47 min
